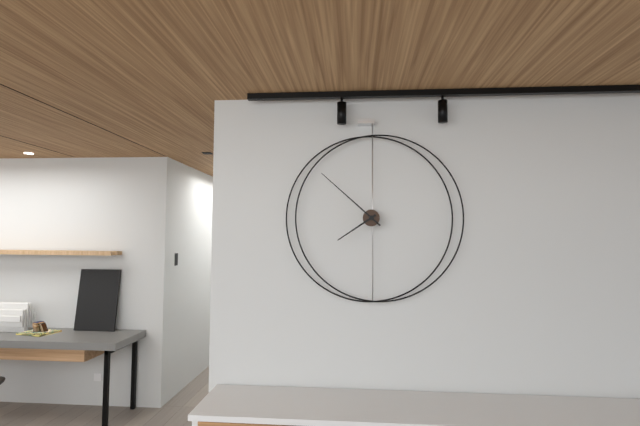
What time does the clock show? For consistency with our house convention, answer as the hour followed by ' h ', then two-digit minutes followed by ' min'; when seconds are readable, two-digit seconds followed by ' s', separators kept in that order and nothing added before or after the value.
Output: 7 h 52 min
